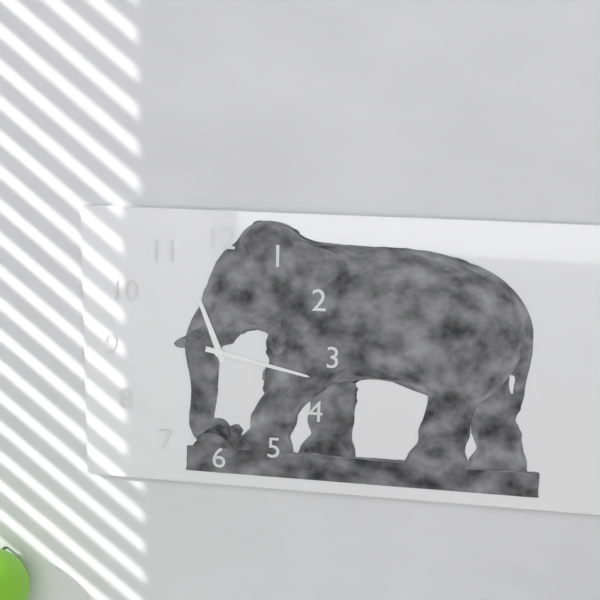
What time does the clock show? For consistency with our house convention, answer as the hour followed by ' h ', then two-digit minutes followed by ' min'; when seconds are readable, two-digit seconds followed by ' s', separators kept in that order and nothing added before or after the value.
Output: 11 h 17 min
